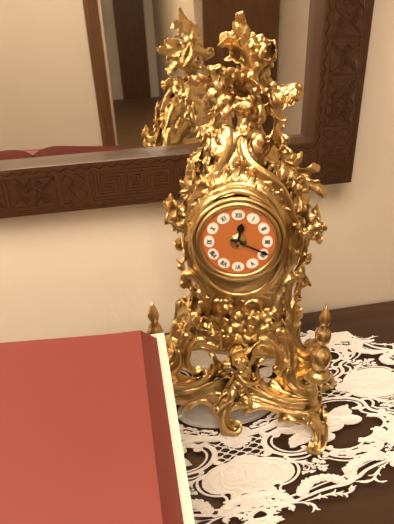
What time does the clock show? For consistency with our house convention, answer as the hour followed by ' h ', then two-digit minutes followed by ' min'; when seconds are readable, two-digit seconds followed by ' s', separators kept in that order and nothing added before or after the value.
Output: 12 h 19 min
